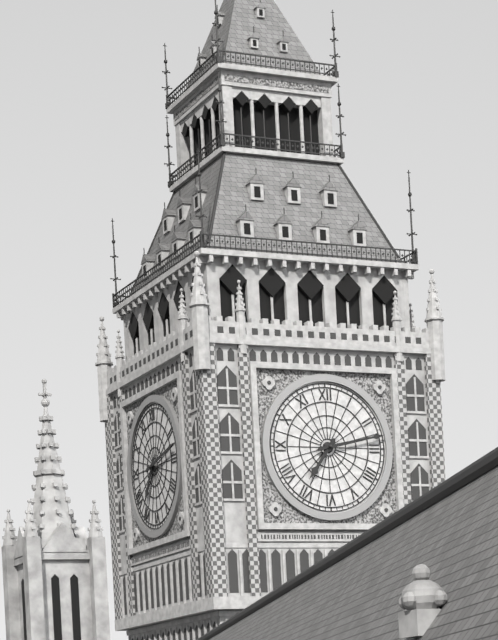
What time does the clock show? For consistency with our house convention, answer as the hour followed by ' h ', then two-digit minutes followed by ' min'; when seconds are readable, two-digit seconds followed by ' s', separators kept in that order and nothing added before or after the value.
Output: 7 h 13 min
